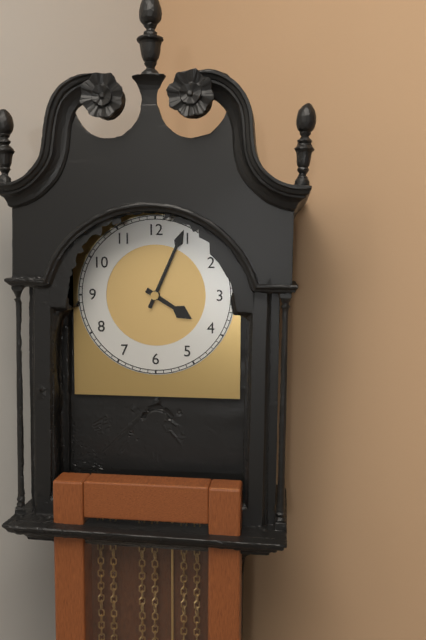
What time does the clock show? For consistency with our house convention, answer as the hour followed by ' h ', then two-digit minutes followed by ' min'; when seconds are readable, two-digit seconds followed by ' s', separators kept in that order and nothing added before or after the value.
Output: 4 h 04 min
